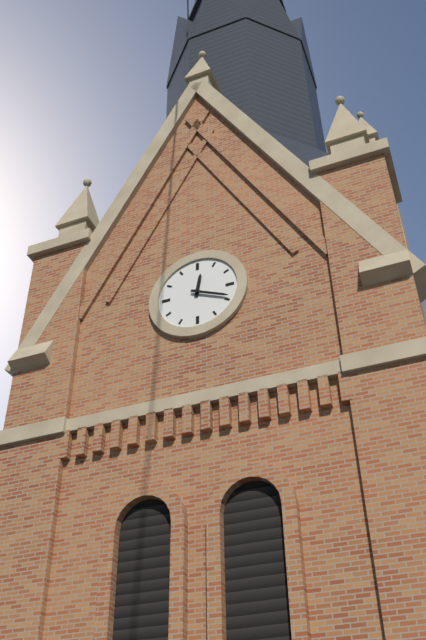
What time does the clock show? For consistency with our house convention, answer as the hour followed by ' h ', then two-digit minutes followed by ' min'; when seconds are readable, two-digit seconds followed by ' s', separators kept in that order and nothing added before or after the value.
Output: 12 h 19 min
